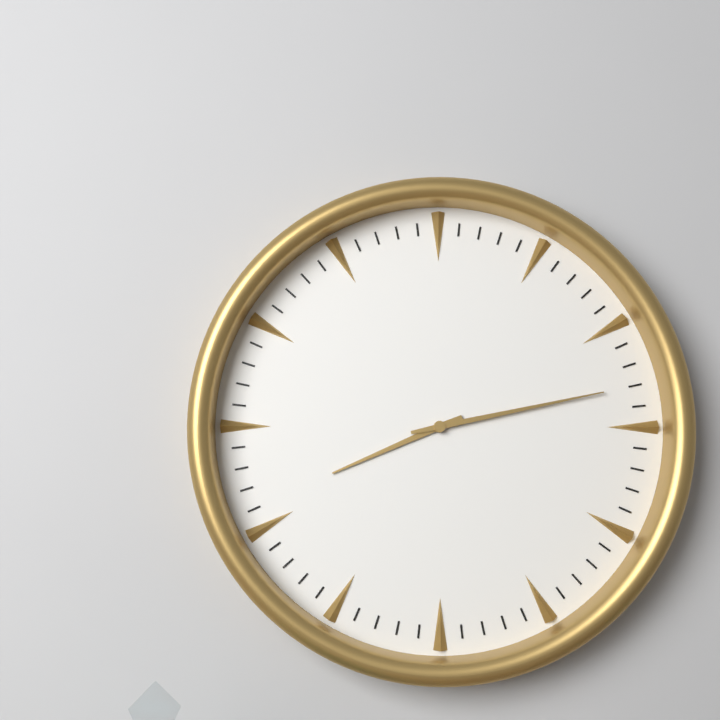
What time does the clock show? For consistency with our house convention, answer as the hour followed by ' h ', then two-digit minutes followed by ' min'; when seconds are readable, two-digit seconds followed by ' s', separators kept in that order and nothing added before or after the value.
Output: 8 h 13 min
